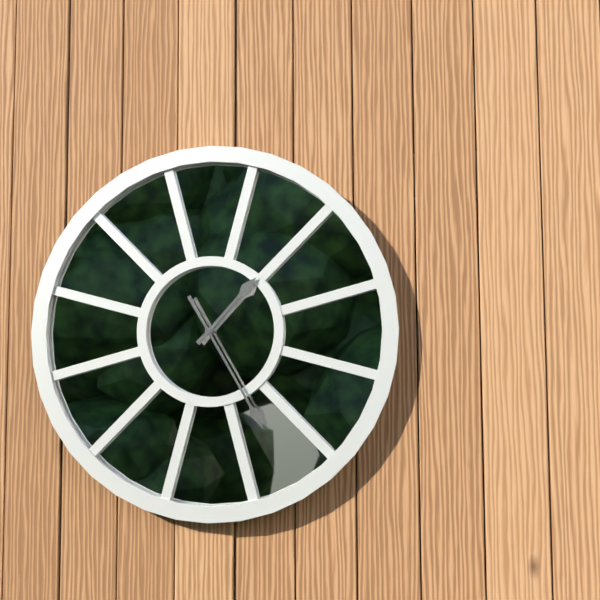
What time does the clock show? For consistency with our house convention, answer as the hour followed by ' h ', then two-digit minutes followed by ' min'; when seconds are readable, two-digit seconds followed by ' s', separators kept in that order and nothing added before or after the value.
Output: 1 h 25 min
